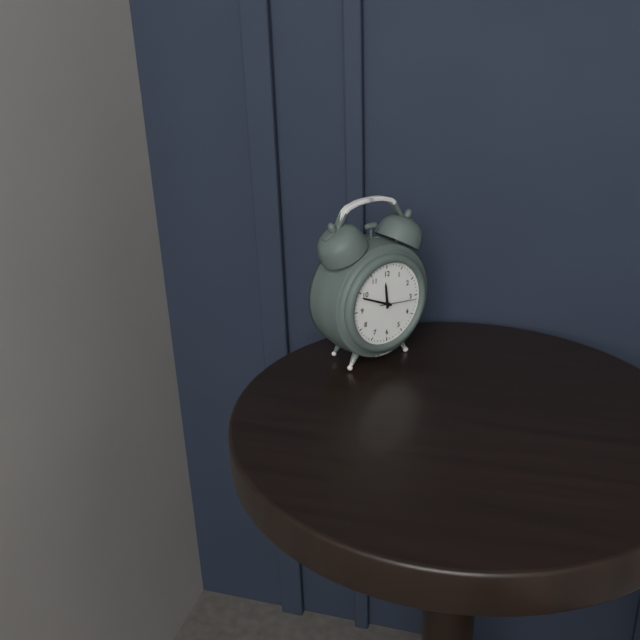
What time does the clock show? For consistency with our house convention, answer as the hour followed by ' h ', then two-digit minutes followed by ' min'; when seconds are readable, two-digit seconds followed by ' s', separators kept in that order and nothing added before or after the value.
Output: 11 h 49 min
